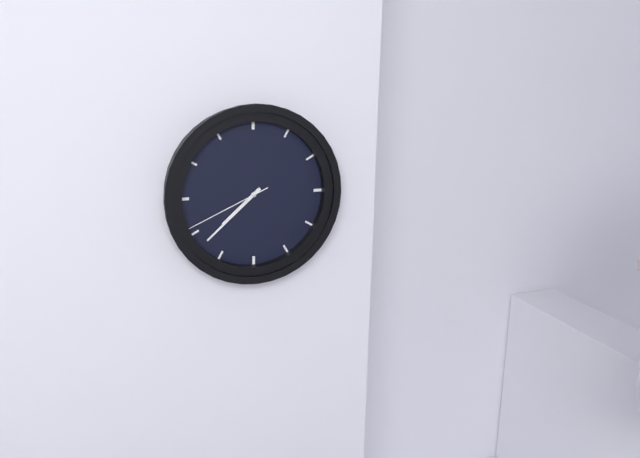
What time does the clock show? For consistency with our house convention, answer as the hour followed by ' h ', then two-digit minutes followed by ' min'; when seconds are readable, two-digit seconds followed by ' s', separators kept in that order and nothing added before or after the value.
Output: 7 h 38 min 41 s
